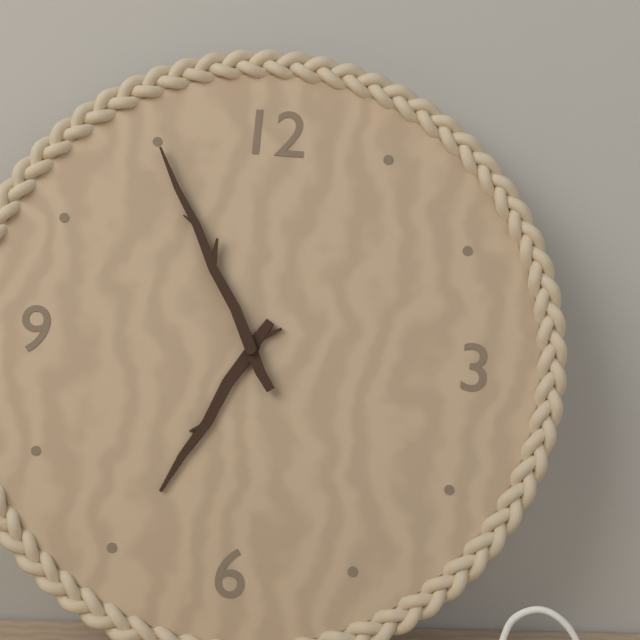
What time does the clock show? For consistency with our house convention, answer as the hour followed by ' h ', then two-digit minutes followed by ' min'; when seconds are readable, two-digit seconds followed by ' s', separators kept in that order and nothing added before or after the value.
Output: 6 h 55 min
